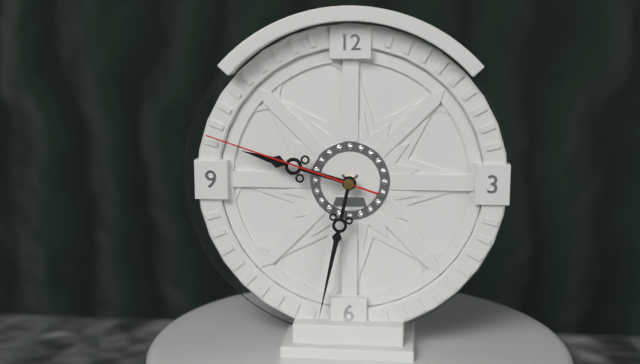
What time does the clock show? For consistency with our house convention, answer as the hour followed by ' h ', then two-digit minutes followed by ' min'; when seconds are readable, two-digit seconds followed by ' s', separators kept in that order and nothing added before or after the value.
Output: 9 h 32 min 48 s
